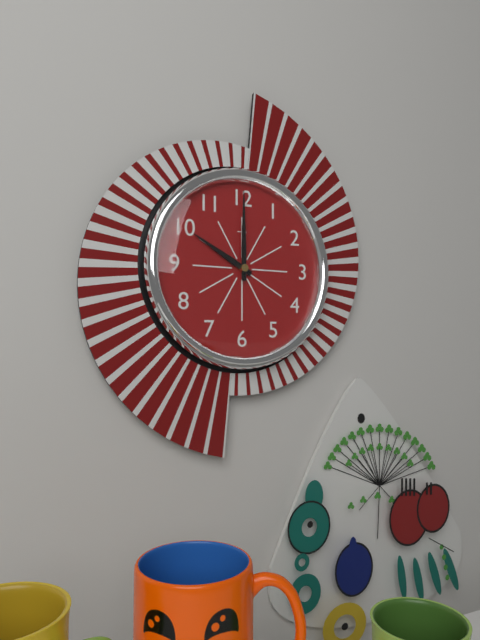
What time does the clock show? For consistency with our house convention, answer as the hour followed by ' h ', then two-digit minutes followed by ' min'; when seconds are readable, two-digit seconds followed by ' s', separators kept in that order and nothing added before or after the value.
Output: 10 h 00 min
